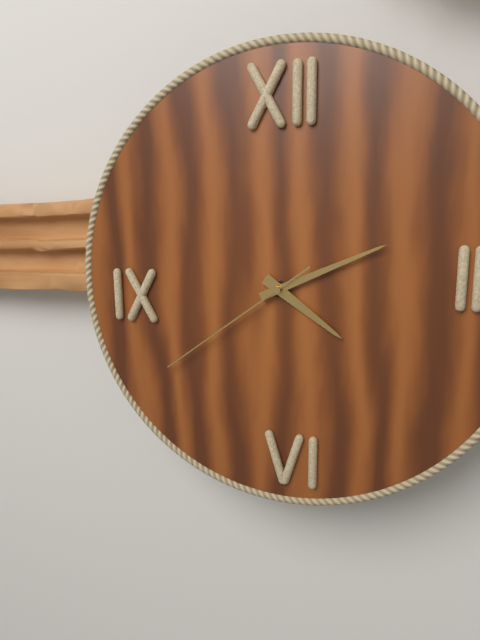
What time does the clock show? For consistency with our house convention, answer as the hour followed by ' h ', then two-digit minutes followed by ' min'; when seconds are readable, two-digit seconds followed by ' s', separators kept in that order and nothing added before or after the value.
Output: 4 h 11 min 39 s
